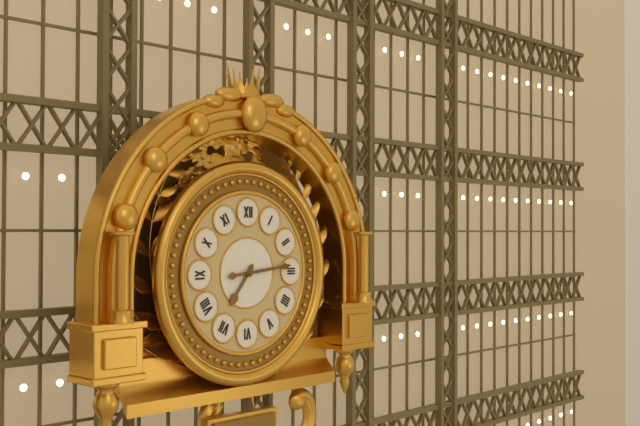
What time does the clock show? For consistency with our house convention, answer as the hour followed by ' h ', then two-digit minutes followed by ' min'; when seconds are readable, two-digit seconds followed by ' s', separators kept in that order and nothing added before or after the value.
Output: 7 h 14 min
